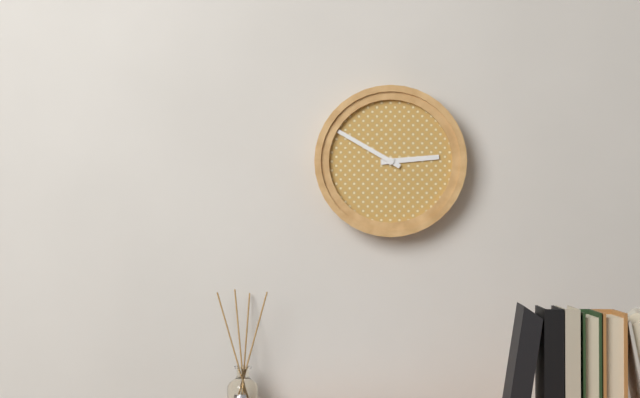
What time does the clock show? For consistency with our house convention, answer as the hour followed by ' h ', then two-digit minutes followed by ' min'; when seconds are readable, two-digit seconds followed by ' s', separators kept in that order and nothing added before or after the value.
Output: 2 h 50 min
